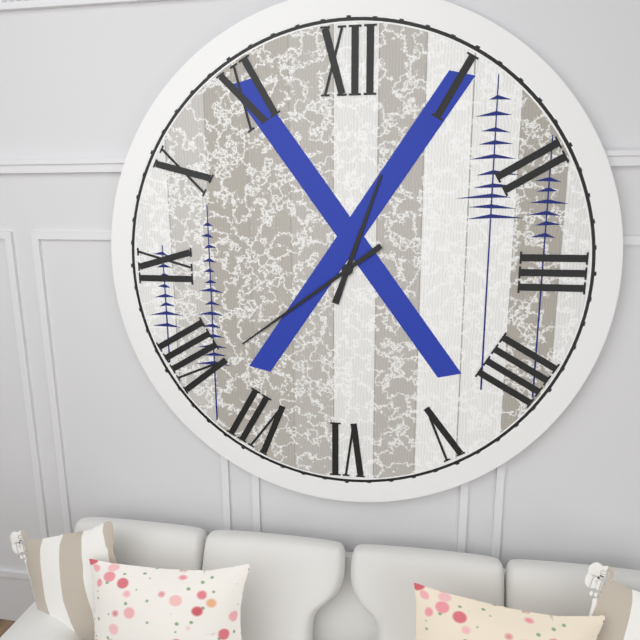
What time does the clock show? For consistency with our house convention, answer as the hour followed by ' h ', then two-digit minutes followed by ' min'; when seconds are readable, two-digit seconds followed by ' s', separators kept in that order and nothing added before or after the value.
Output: 12 h 39 min
